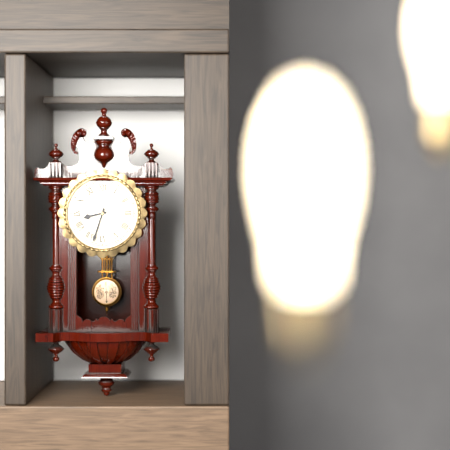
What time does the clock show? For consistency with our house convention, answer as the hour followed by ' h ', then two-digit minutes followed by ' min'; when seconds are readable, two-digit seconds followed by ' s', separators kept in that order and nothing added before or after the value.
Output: 8 h 33 min
